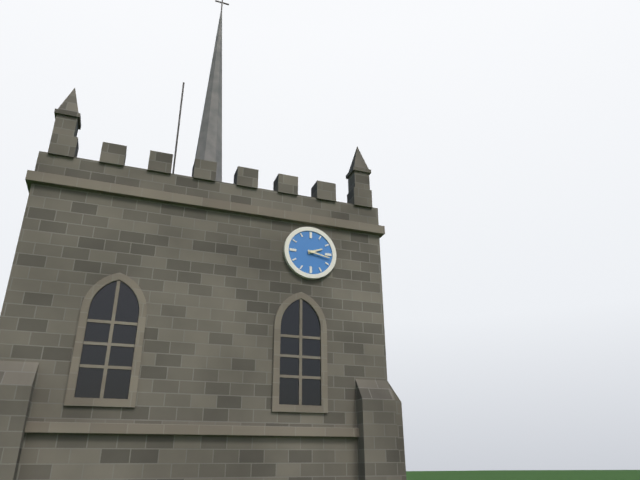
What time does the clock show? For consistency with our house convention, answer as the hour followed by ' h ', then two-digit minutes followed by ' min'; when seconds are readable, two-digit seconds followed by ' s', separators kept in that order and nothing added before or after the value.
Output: 2 h 17 min
